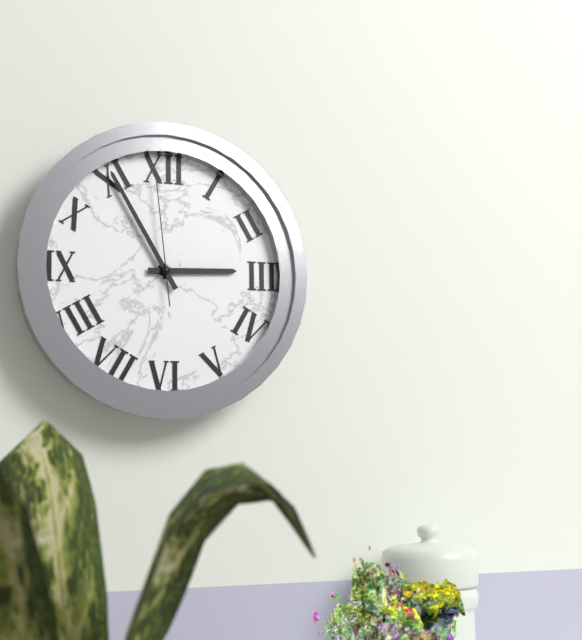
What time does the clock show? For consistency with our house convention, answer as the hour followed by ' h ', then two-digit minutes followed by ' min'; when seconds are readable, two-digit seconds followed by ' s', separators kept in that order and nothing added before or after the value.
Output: 2 h 55 min 59 s
